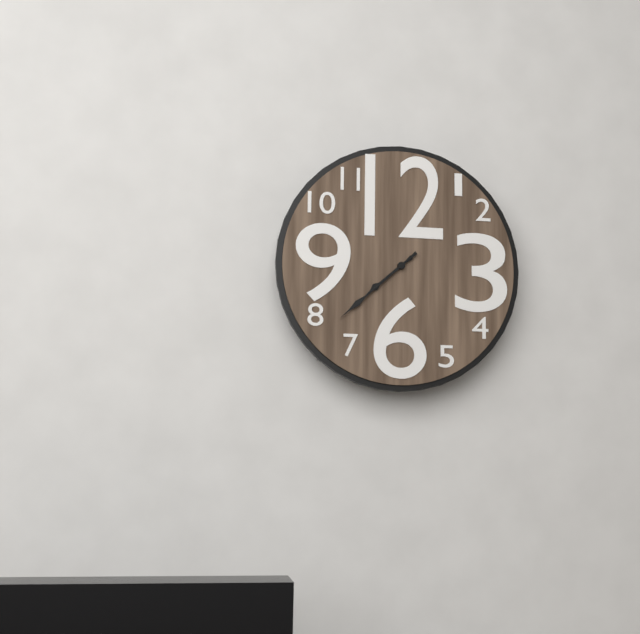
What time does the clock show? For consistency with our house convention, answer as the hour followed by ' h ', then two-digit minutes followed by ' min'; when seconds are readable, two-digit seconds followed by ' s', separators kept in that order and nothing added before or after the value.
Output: 7 h 38 min
